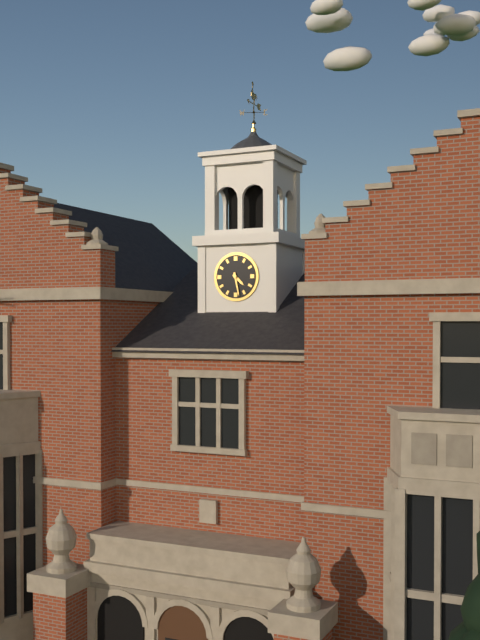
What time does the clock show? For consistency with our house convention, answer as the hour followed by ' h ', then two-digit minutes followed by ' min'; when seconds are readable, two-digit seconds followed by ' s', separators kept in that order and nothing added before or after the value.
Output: 4 h 28 min
